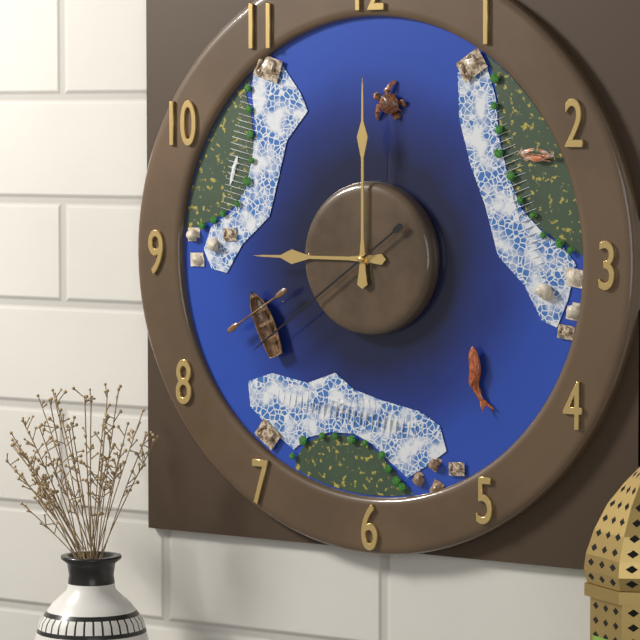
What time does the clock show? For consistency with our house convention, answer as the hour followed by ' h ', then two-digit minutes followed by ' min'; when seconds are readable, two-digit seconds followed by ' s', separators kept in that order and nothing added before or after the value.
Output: 9 h 00 min 39 s
